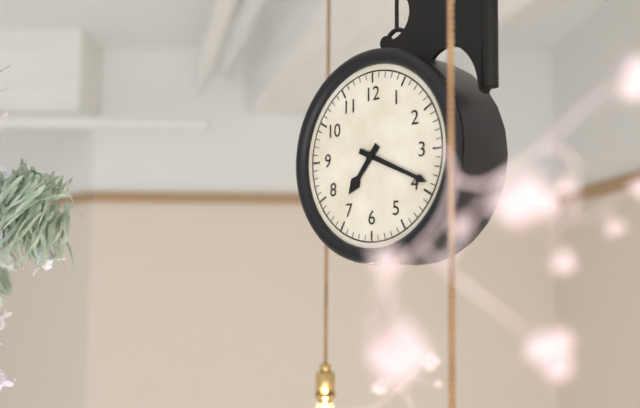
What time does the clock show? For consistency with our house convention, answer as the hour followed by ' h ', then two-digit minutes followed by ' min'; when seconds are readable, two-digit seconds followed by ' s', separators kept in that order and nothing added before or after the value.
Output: 7 h 19 min
